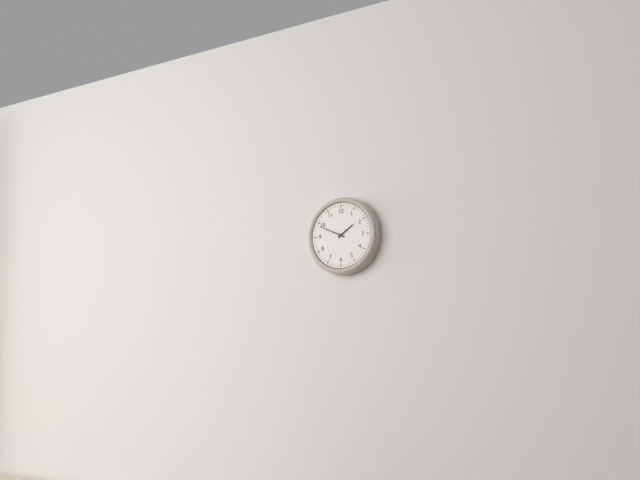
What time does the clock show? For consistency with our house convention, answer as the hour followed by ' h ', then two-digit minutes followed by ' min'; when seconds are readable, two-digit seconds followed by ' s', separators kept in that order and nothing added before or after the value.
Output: 1 h 49 min
